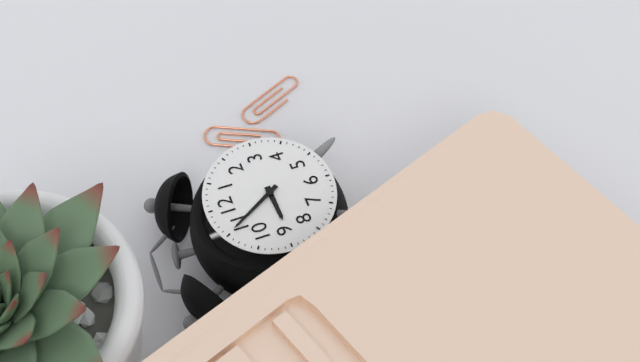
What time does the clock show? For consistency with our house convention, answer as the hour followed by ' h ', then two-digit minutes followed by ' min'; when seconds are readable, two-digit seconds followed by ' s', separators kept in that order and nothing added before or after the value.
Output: 8 h 55 min
